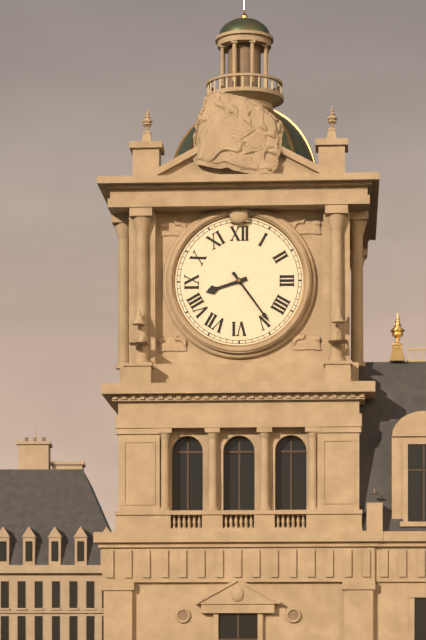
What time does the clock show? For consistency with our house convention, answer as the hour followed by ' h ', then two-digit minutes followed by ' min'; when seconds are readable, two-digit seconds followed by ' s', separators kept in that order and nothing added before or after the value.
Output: 8 h 24 min
